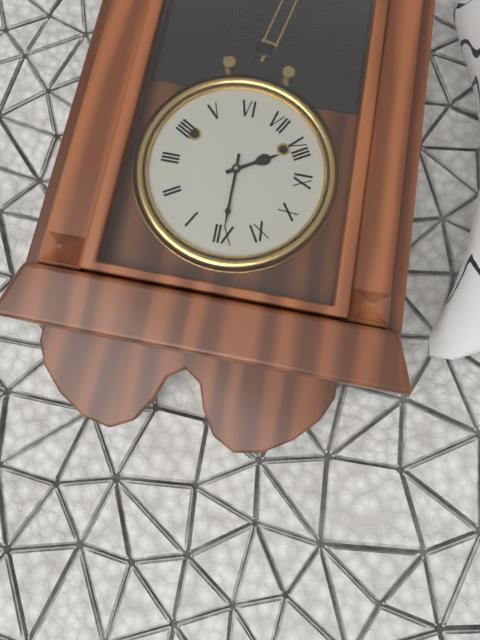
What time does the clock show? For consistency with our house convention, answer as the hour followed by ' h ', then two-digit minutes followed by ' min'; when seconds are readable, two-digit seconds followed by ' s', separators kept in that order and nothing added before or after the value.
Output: 8 h 00 min
